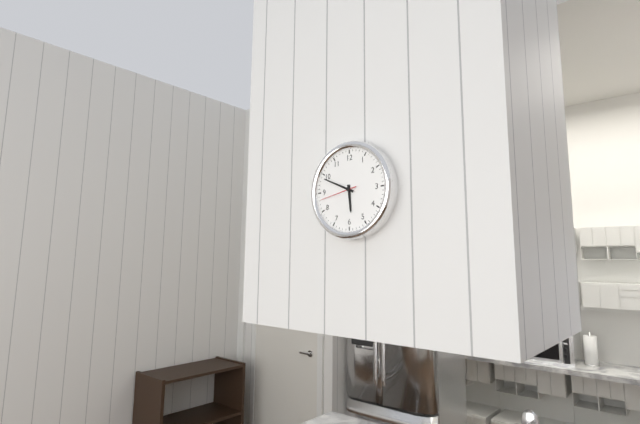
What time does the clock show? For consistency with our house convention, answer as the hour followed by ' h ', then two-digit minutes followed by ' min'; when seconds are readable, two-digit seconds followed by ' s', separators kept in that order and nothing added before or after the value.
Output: 5 h 49 min
